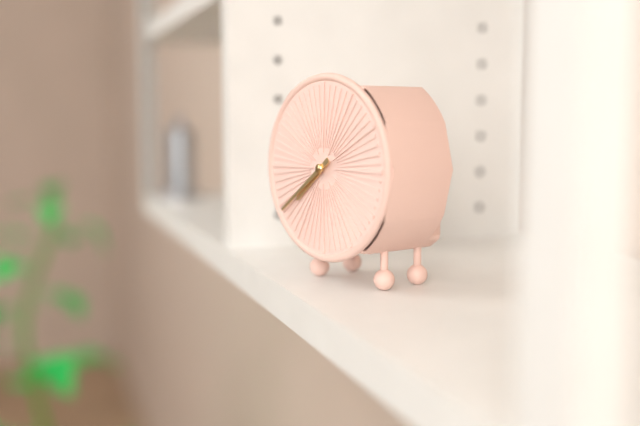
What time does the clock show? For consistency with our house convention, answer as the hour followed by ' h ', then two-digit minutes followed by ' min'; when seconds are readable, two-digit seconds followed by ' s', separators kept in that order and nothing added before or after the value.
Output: 7 h 39 min
